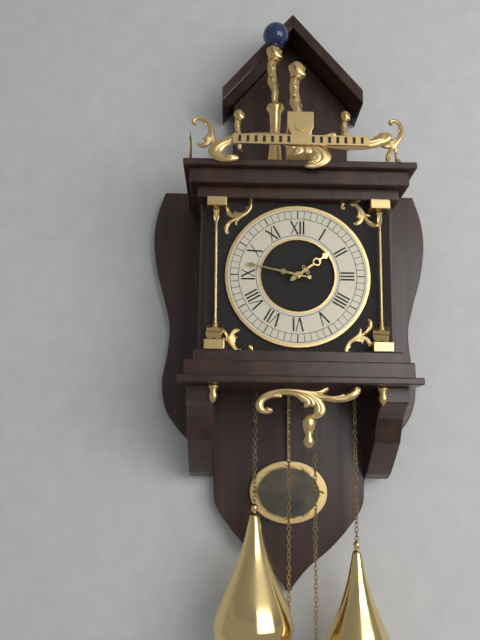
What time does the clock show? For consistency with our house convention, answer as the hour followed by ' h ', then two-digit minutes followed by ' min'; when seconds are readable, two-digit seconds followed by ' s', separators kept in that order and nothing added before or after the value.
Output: 1 h 47 min
